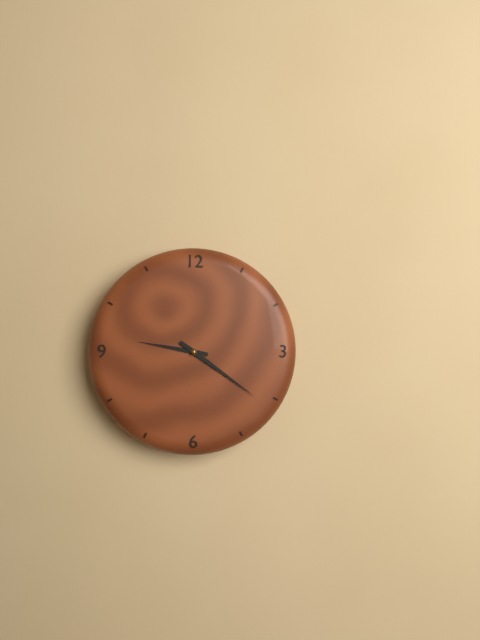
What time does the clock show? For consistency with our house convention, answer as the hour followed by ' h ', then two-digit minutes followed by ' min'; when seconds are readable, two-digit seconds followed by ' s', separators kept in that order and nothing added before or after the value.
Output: 9 h 21 min
